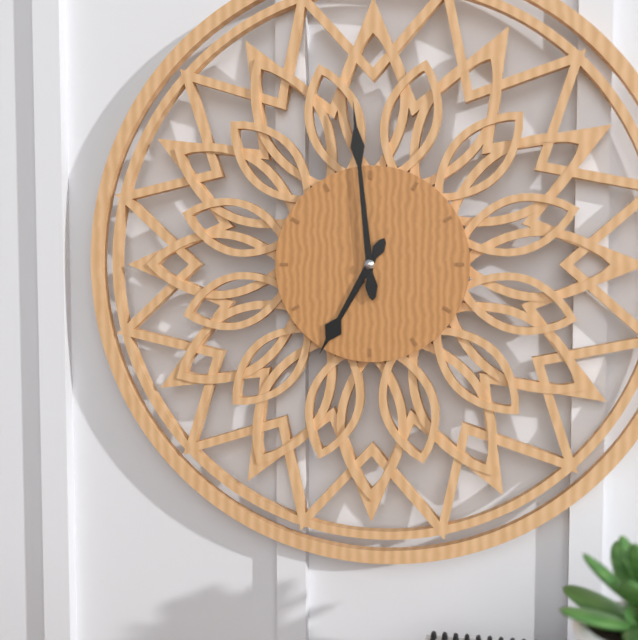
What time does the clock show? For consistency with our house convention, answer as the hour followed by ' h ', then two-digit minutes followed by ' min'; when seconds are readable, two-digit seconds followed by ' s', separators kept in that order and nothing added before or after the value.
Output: 6 h 59 min
